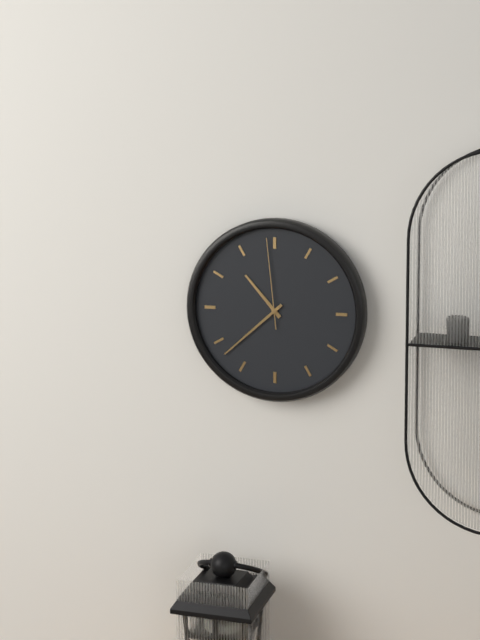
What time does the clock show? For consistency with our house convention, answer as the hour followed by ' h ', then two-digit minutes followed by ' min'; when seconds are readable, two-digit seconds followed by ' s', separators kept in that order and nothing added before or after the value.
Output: 10 h 38 min 59 s
